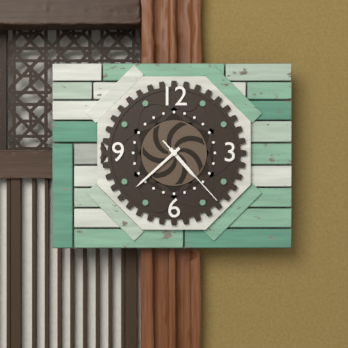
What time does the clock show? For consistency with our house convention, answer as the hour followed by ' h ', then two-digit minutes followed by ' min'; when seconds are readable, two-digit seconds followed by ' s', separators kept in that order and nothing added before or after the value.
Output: 4 h 38 min 23 s
